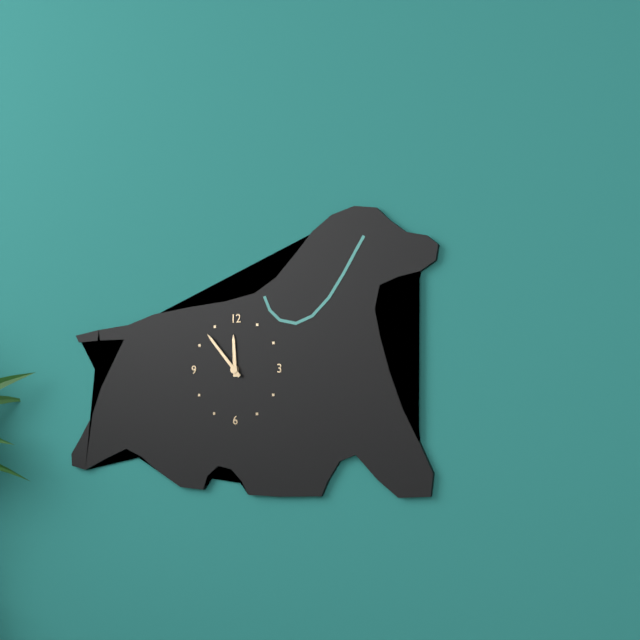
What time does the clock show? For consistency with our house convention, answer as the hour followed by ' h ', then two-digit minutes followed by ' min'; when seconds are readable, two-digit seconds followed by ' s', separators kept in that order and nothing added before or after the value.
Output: 11 h 53 min
